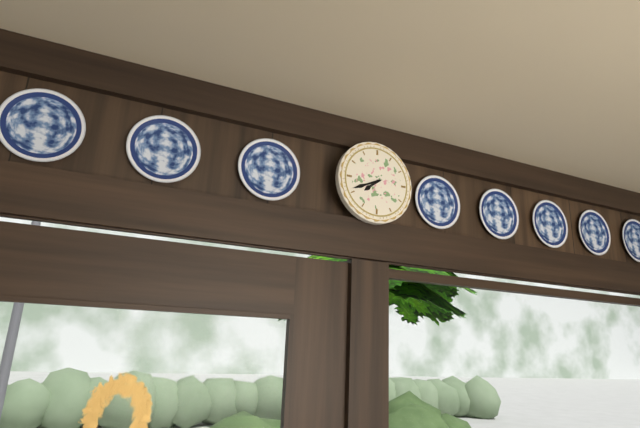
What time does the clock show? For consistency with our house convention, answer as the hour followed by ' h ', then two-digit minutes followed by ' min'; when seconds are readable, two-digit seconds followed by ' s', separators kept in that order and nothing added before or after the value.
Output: 7 h 41 min
